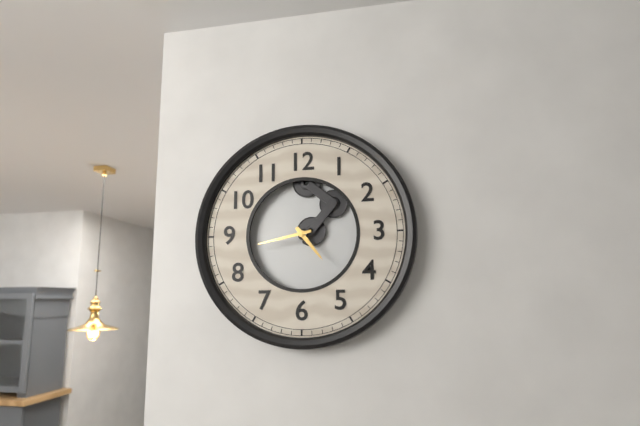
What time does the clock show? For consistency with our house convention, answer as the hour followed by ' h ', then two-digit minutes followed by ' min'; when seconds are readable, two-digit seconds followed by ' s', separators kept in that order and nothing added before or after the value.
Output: 4 h 43 min
